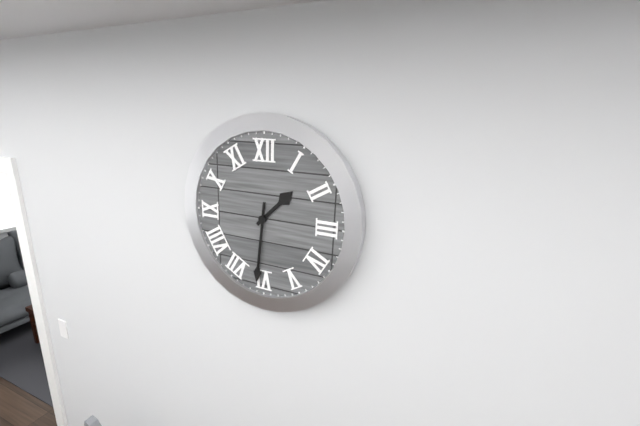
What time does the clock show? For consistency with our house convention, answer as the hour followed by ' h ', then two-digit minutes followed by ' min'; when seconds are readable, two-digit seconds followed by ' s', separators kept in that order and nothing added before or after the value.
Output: 1 h 31 min
